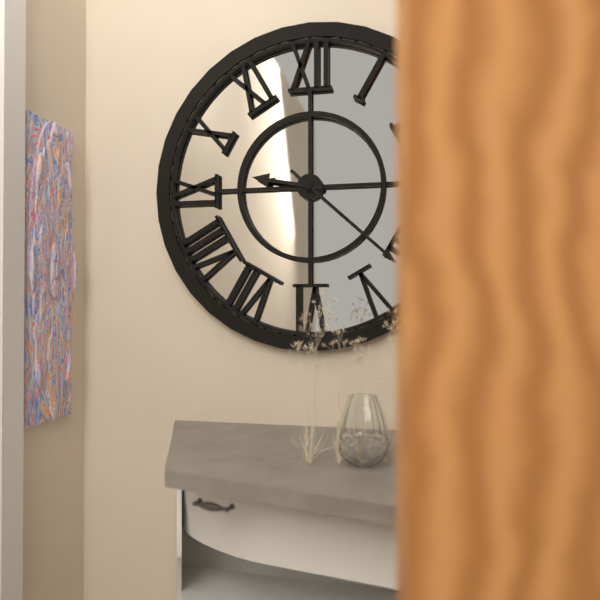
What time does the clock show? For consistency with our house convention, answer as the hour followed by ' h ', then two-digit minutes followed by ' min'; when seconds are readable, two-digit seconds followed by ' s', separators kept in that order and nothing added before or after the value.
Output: 9 h 22 min
